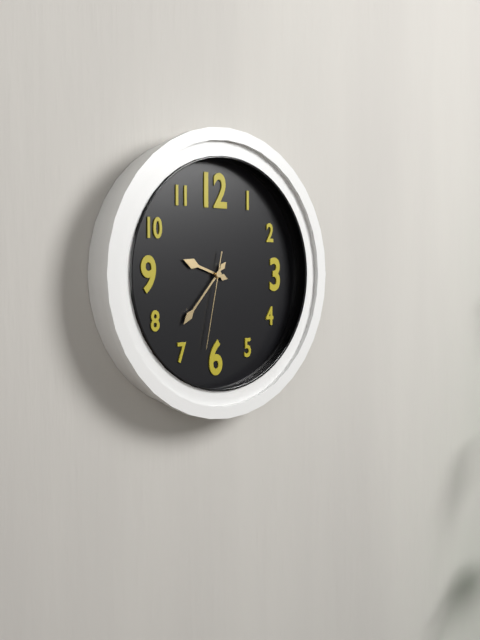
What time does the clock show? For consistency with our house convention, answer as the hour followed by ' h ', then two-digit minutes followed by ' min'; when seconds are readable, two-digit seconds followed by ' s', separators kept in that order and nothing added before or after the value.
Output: 9 h 37 min 32 s
